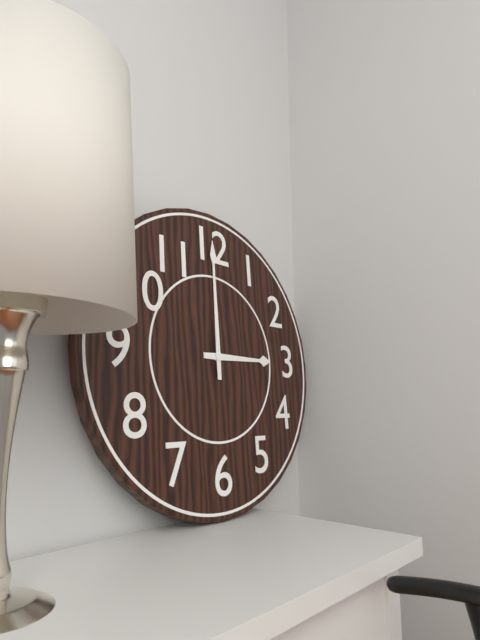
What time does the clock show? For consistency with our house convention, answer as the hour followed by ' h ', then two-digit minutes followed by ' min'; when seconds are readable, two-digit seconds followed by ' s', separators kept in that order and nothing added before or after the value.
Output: 3 h 00 min
